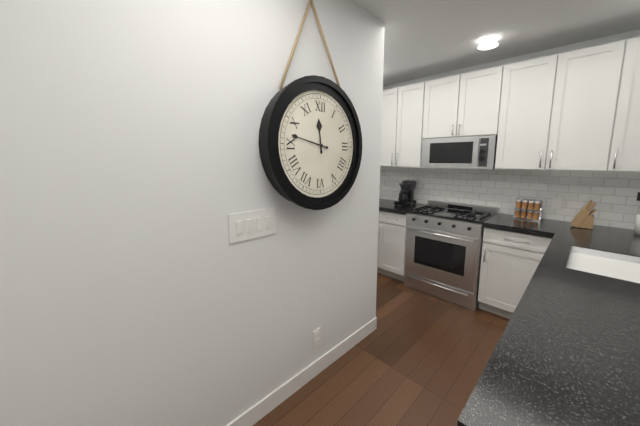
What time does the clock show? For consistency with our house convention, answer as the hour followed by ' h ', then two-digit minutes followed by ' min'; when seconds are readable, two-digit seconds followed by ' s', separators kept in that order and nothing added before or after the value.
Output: 11 h 47 min
